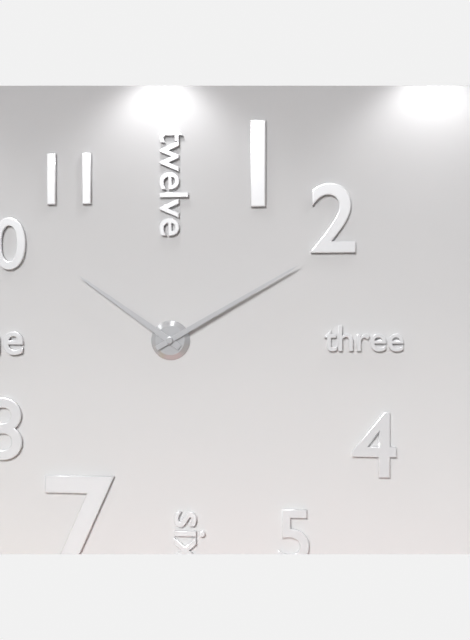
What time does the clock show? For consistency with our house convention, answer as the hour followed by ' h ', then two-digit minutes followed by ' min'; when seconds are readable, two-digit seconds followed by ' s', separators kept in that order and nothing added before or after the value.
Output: 10 h 10 min
